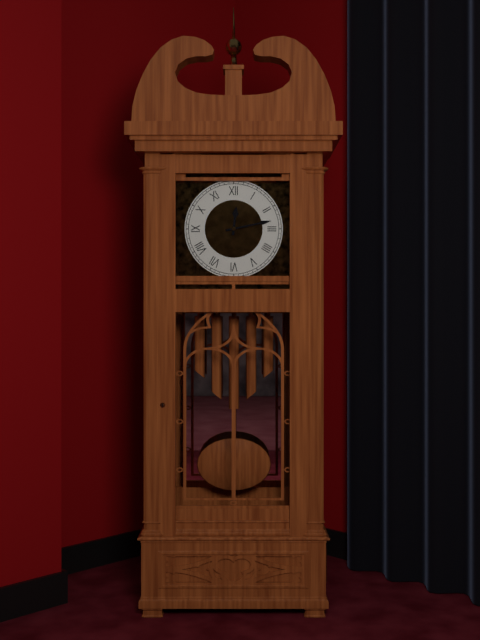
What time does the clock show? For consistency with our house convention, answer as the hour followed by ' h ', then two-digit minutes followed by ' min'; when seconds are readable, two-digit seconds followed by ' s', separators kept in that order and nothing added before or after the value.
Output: 12 h 13 min
